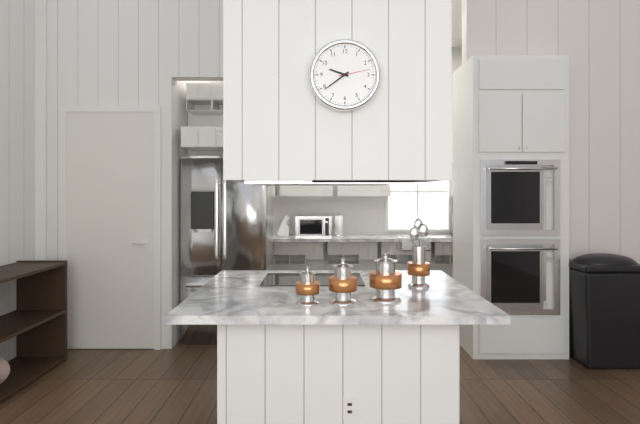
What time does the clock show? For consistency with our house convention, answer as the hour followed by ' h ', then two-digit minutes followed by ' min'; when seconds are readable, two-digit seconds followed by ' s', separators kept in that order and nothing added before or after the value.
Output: 9 h 39 min
